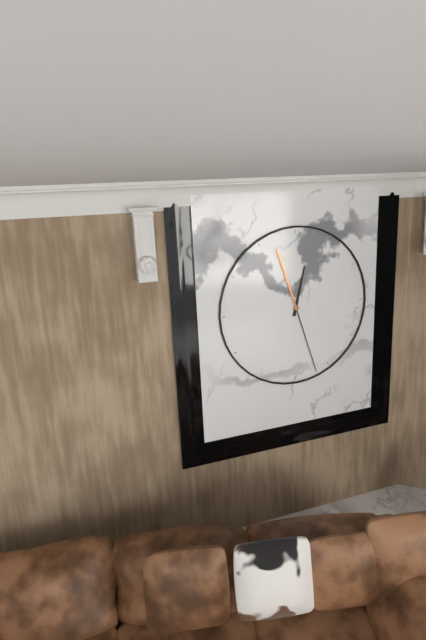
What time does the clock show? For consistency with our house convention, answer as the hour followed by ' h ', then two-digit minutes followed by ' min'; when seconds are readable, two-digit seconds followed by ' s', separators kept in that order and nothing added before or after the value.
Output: 12 h 27 min
